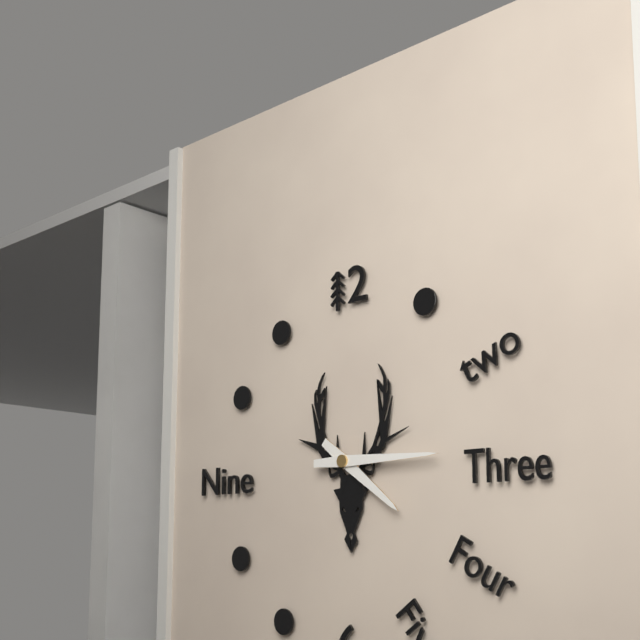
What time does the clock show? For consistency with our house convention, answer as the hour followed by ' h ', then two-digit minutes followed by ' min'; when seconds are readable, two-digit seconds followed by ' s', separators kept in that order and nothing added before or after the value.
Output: 4 h 15 min
